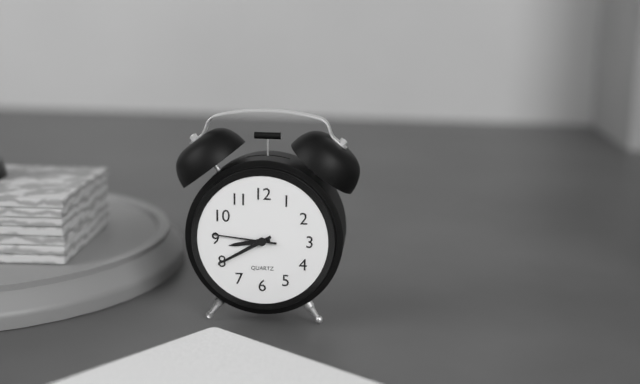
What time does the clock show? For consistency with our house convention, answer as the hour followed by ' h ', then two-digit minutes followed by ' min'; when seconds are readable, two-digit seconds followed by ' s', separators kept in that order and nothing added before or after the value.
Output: 8 h 40 min 46 s
